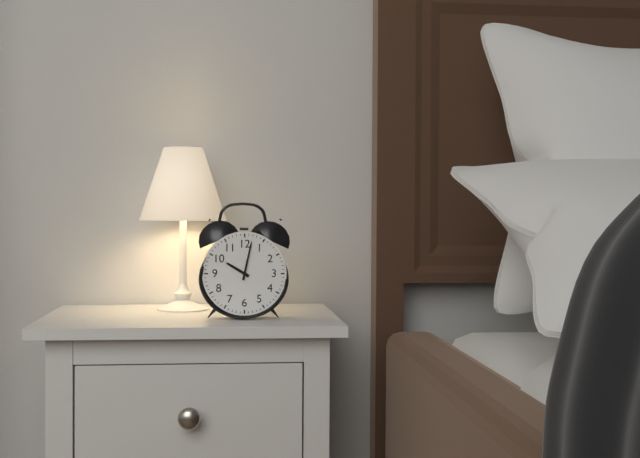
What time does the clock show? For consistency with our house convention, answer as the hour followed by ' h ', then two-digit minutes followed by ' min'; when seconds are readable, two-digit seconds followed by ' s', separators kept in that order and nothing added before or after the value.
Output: 10 h 02 min
